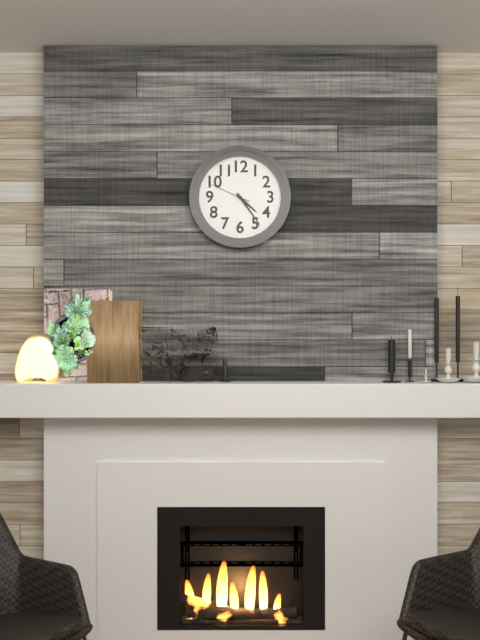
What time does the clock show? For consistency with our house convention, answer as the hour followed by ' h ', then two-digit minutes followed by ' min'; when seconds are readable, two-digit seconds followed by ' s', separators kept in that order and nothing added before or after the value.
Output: 4 h 24 min
